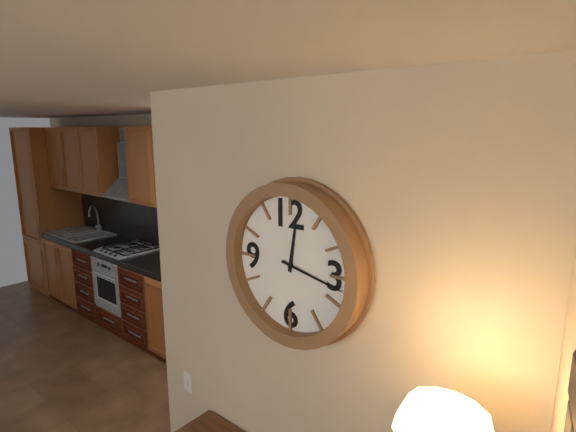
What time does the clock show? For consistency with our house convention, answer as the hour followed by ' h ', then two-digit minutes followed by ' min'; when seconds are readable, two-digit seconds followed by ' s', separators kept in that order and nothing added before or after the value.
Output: 12 h 17 min
